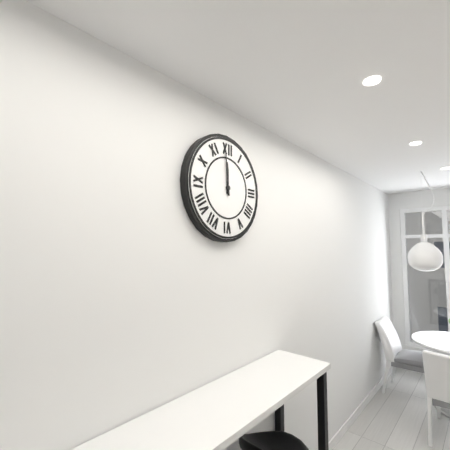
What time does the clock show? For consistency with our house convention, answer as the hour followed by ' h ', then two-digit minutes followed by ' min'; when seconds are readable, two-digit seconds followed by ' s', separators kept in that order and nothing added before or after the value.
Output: 11 h 59 min
